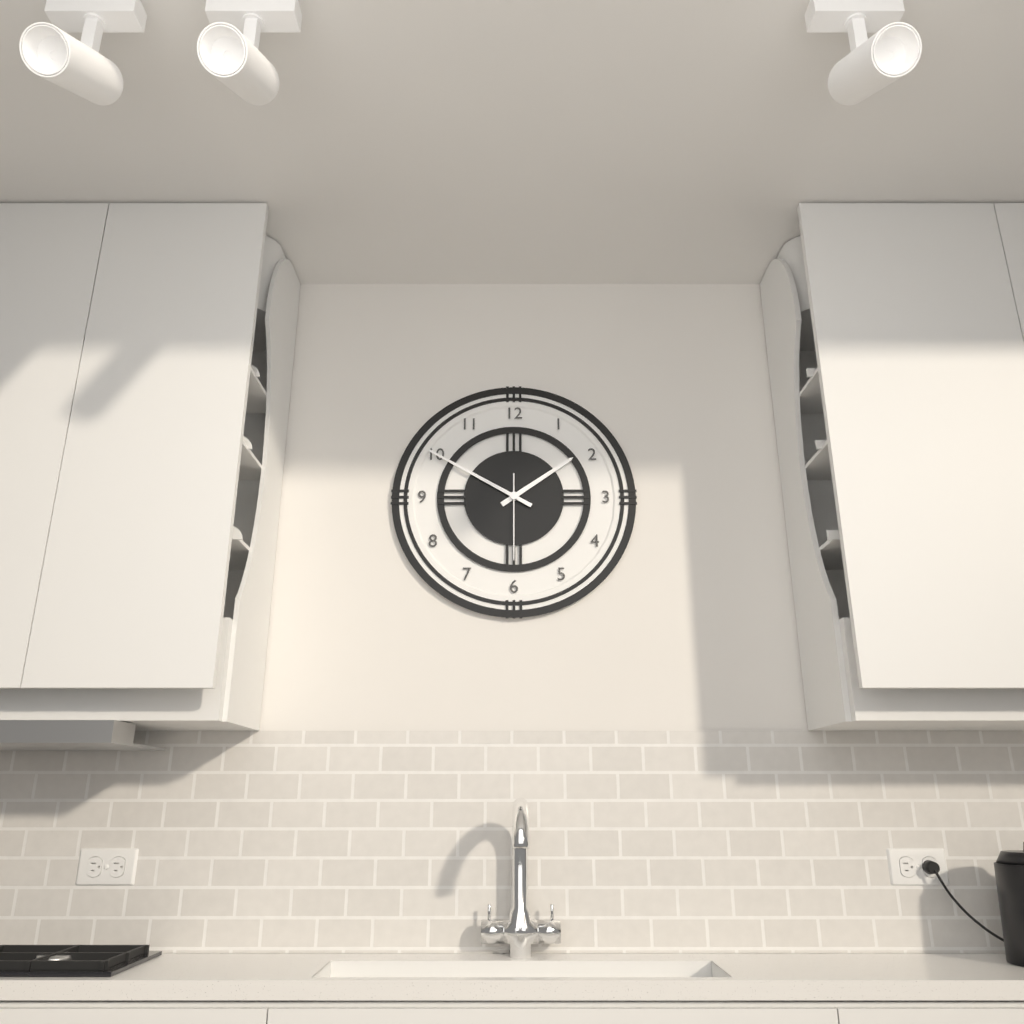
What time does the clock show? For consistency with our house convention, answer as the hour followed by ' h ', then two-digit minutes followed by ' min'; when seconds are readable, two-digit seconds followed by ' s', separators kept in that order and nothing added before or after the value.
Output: 1 h 50 min 30 s
